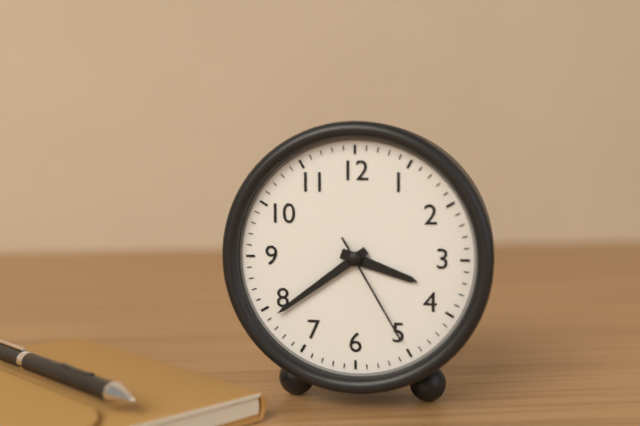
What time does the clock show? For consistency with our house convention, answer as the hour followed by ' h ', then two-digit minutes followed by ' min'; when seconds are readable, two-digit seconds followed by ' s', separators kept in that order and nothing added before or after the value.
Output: 3 h 39 min 25 s
